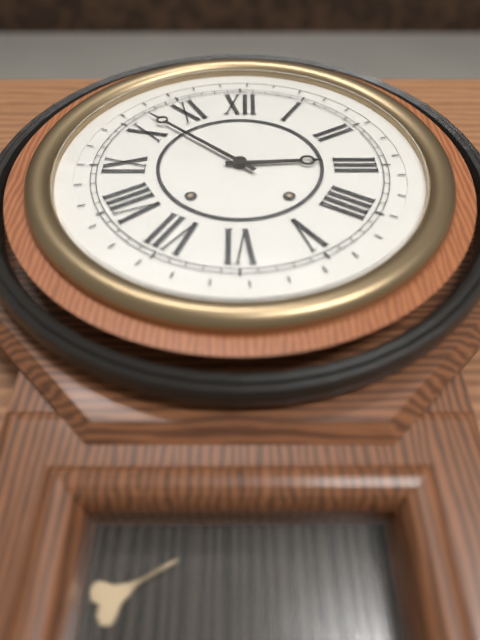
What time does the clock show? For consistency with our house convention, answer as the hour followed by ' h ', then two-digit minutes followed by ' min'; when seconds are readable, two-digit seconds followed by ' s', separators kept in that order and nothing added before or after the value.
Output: 2 h 52 min
